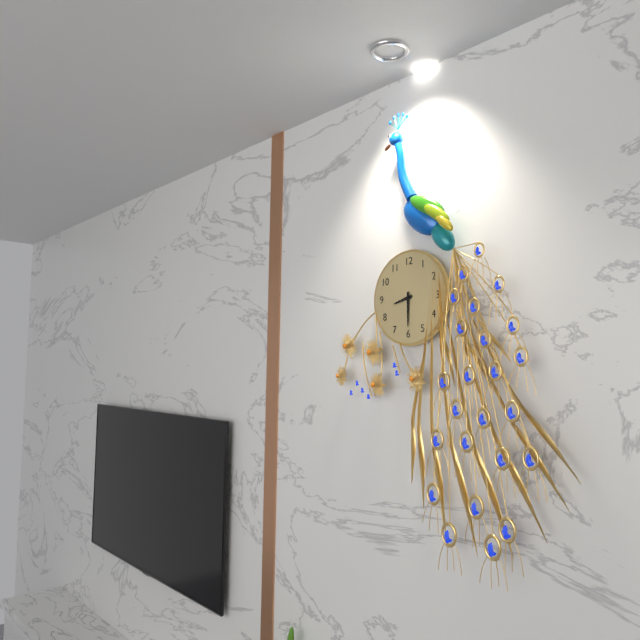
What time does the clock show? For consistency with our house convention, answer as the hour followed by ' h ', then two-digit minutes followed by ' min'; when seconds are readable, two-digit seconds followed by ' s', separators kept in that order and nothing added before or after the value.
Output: 8 h 30 min
